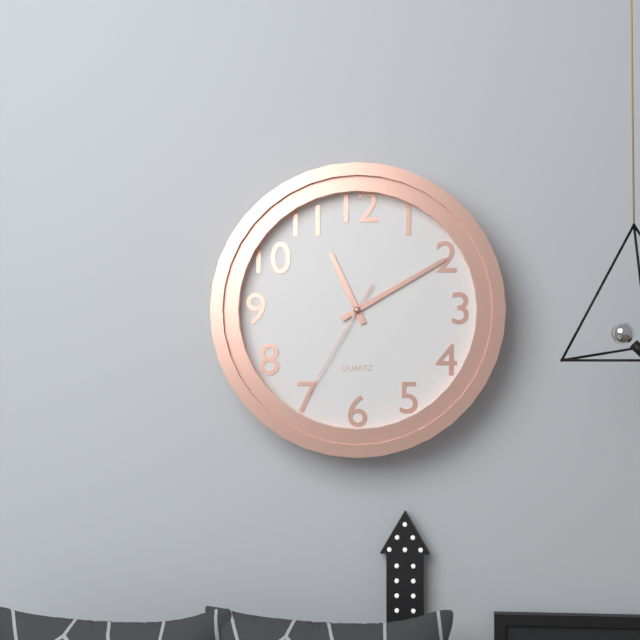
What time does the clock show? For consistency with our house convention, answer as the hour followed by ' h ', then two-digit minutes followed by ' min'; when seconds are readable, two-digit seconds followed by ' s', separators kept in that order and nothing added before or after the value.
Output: 11 h 10 min 35 s
